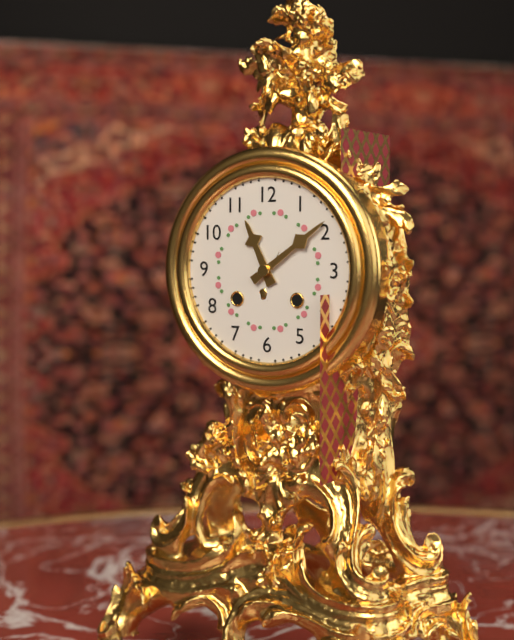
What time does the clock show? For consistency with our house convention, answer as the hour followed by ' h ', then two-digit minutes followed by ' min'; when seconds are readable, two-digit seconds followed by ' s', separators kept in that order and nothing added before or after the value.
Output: 11 h 09 min
